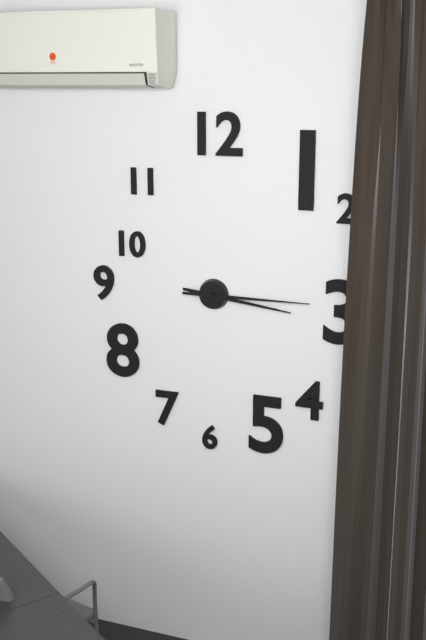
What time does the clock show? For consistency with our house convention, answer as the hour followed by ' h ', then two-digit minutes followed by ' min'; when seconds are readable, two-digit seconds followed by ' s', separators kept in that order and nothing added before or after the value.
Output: 3 h 15 min
